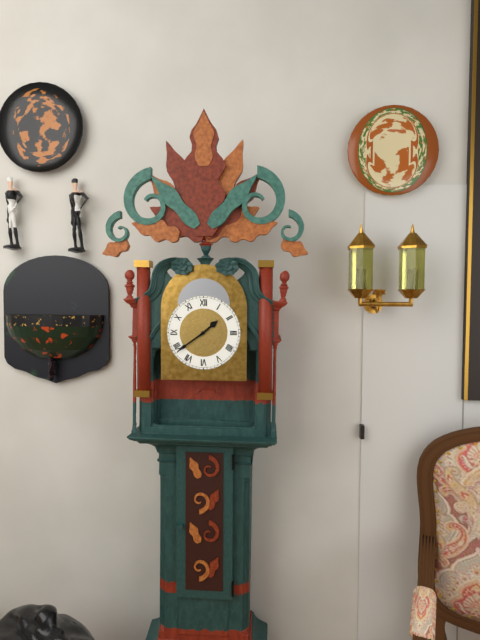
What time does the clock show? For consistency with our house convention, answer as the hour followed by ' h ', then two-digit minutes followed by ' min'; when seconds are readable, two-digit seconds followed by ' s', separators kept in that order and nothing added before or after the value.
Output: 1 h 39 min
